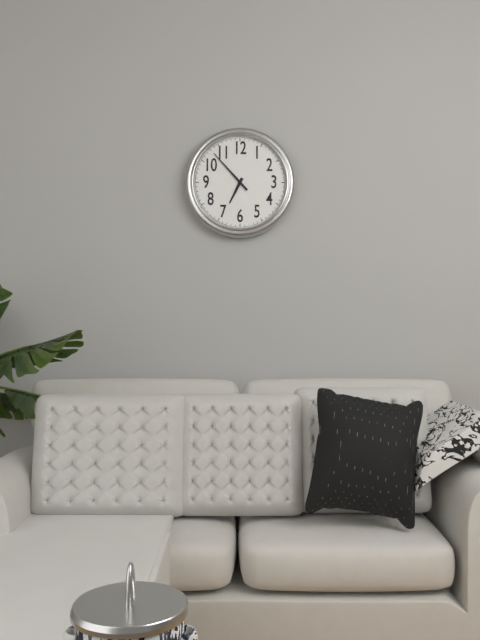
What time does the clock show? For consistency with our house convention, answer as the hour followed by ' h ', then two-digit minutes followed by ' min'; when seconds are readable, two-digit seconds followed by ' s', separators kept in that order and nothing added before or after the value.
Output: 6 h 53 min
